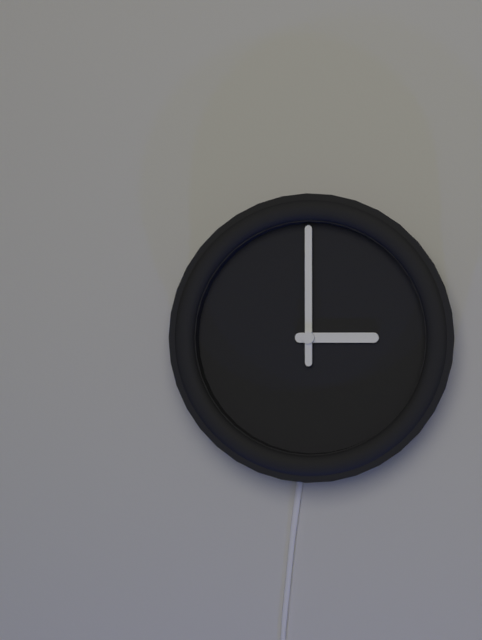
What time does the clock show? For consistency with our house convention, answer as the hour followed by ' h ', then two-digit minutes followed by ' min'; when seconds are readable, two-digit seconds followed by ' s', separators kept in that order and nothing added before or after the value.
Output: 3 h 00 min
